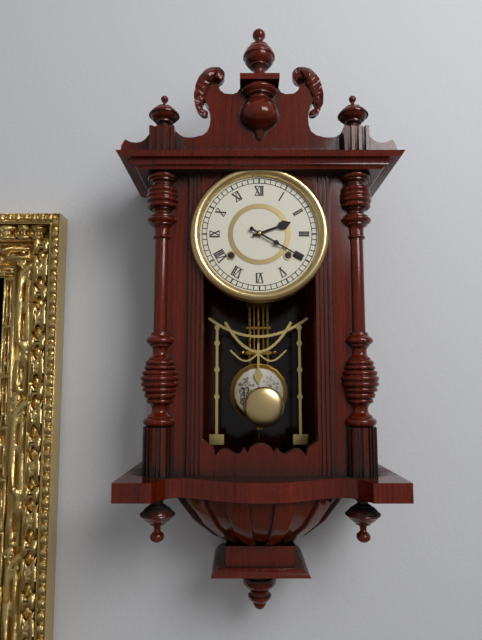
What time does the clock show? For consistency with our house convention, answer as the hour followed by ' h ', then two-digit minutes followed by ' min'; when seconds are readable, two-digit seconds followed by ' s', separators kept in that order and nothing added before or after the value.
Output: 2 h 20 min
